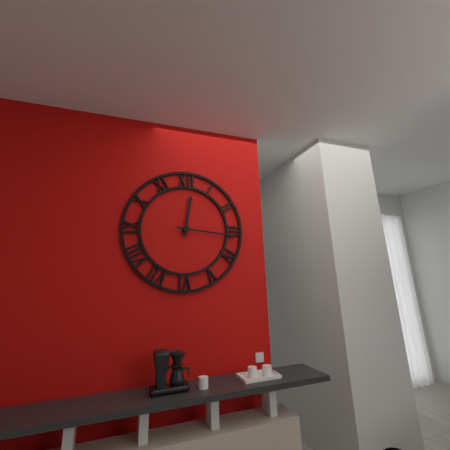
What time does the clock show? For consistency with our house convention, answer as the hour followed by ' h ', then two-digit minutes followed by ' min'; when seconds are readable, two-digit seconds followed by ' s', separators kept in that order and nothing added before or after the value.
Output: 12 h 16 min
